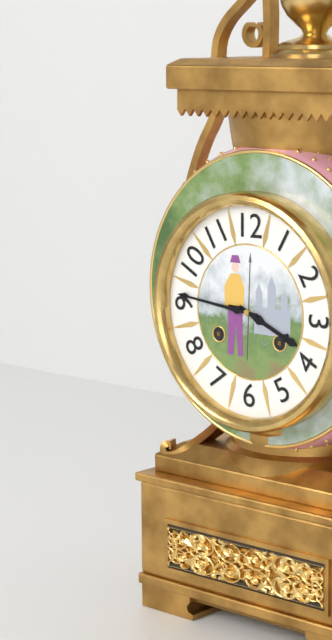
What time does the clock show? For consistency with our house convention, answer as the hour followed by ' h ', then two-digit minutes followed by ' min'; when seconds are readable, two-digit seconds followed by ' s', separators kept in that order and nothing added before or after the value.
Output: 3 h 46 min
